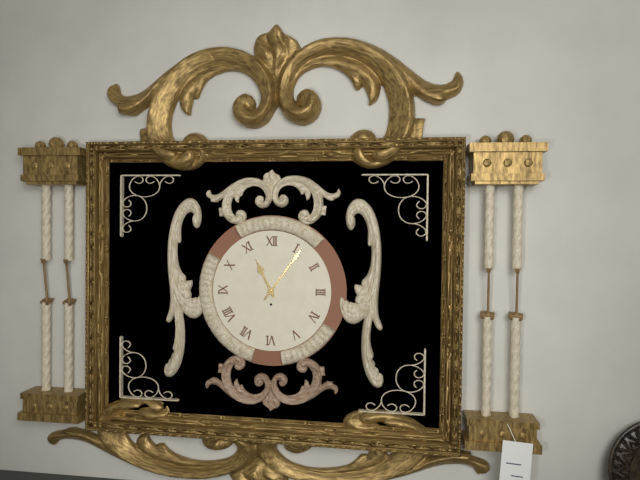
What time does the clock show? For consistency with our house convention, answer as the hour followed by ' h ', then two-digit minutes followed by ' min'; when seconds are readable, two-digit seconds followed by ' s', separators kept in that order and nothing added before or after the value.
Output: 11 h 06 min
